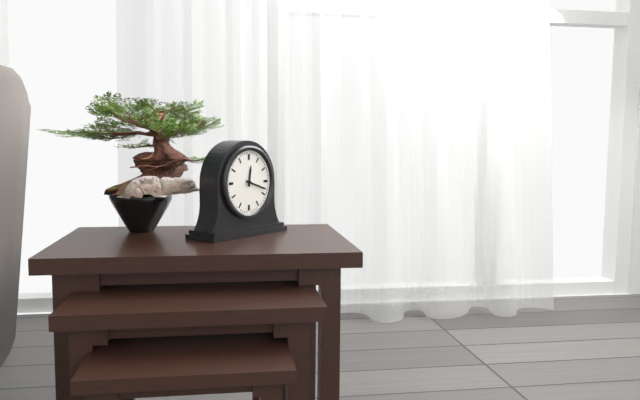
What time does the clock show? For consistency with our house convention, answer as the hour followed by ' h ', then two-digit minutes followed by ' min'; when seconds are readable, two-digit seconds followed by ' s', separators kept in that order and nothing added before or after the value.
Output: 12 h 18 min
